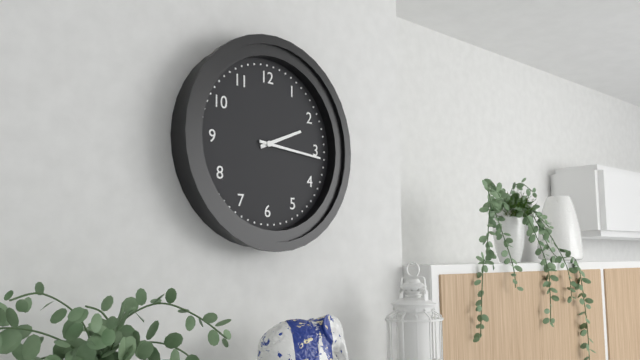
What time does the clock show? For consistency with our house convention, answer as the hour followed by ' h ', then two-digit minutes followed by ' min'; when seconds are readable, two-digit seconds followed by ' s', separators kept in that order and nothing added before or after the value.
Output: 2 h 16 min
